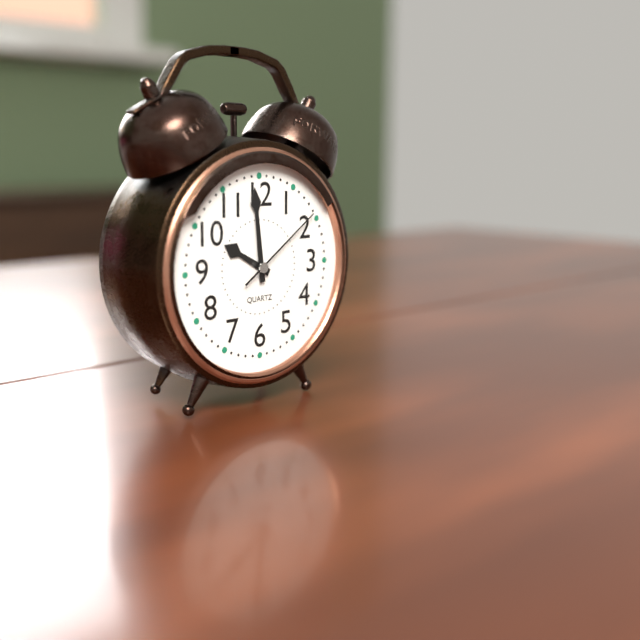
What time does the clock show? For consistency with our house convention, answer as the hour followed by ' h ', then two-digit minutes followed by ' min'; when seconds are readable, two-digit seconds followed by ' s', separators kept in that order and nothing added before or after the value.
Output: 9 h 59 min 09 s
